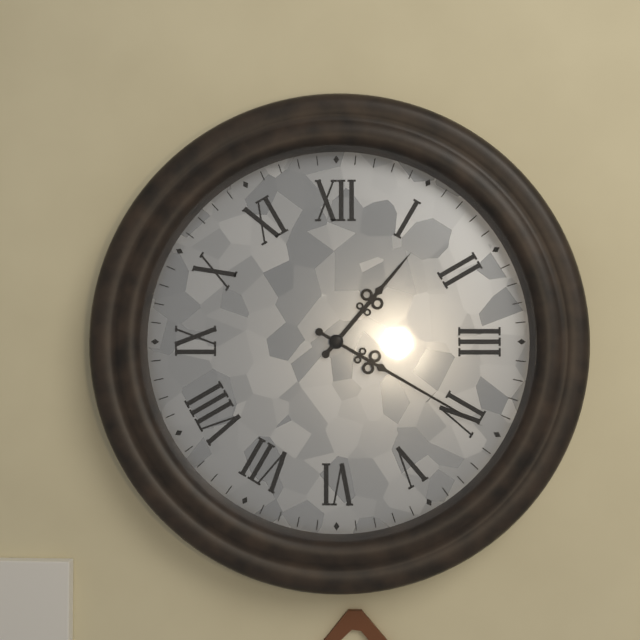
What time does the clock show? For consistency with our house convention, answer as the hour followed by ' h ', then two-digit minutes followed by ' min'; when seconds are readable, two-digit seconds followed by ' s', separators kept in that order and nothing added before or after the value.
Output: 1 h 20 min
